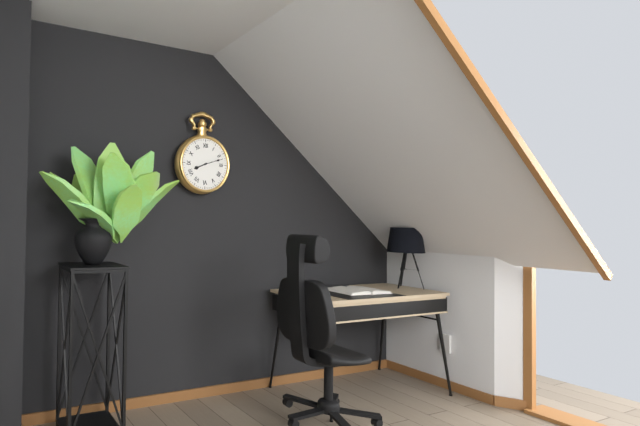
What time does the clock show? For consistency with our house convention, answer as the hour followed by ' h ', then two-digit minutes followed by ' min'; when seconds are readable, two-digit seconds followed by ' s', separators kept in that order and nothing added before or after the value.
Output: 8 h 12 min
